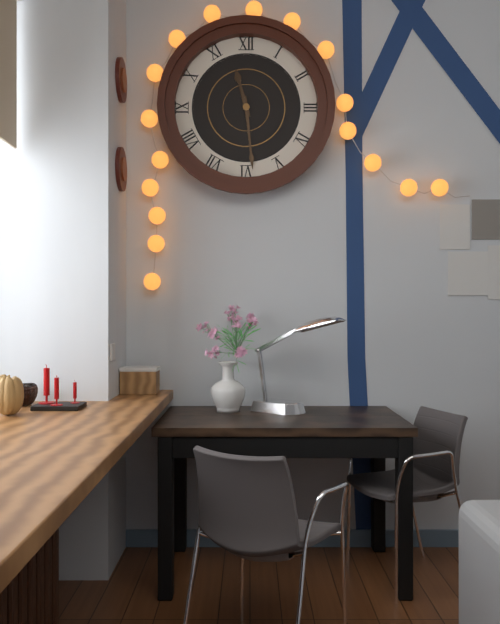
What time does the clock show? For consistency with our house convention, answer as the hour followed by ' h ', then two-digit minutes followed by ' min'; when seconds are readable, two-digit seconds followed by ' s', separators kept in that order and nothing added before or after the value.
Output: 11 h 29 min
